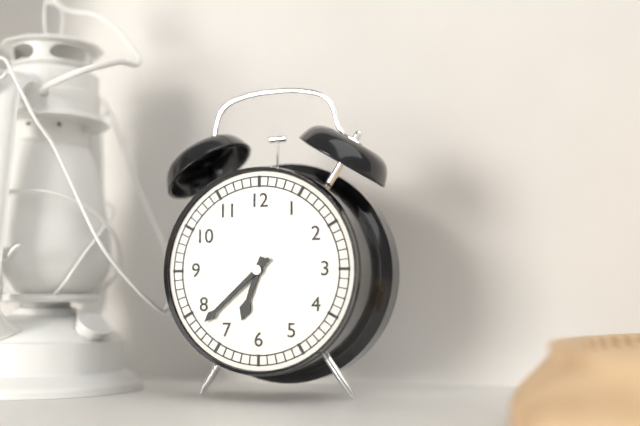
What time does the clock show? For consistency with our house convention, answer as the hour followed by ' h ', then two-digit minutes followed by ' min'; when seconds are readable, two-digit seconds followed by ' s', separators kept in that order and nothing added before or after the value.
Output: 6 h 38 min
